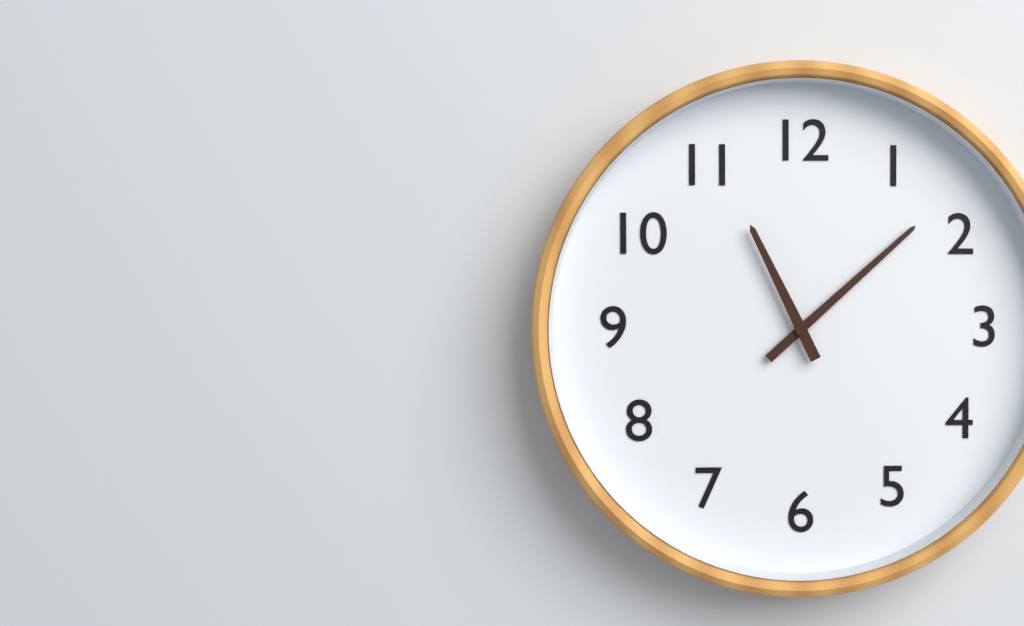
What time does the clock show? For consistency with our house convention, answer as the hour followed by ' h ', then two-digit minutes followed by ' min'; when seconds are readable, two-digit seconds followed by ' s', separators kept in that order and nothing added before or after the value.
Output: 11 h 08 min
